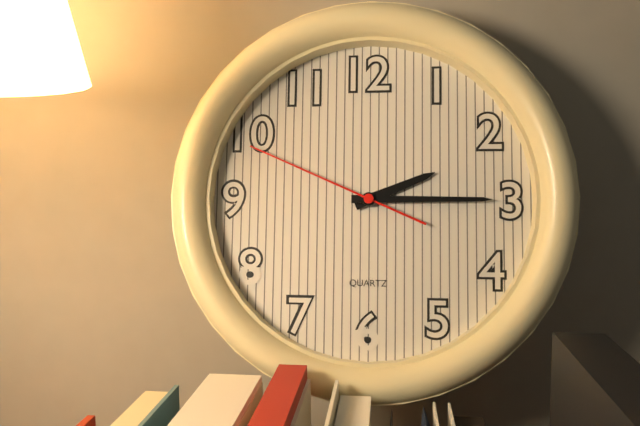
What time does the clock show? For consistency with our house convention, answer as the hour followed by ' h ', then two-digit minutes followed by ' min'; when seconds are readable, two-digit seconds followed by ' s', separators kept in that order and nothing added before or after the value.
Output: 2 h 15 min 49 s
